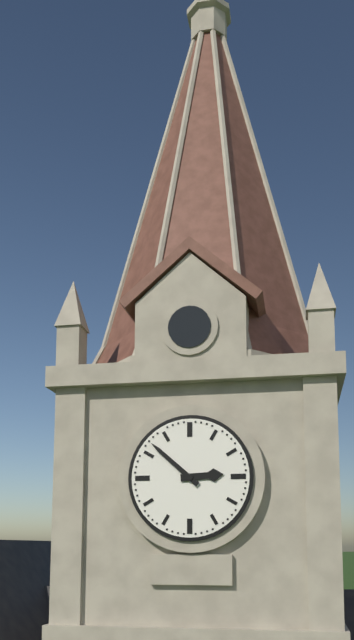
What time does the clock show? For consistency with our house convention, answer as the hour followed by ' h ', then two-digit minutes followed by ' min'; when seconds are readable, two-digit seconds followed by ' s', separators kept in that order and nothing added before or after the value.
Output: 2 h 52 min
